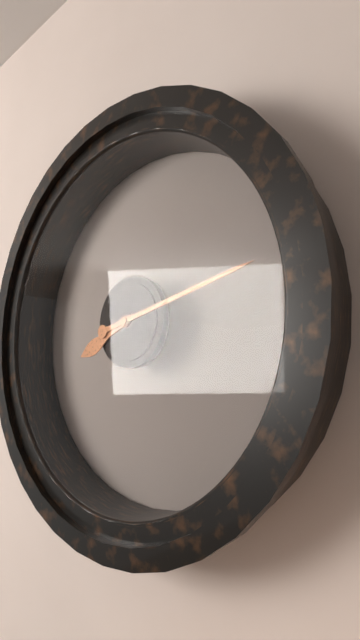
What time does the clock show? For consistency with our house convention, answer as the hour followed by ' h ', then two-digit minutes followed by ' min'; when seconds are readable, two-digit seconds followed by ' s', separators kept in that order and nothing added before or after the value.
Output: 8 h 13 min
